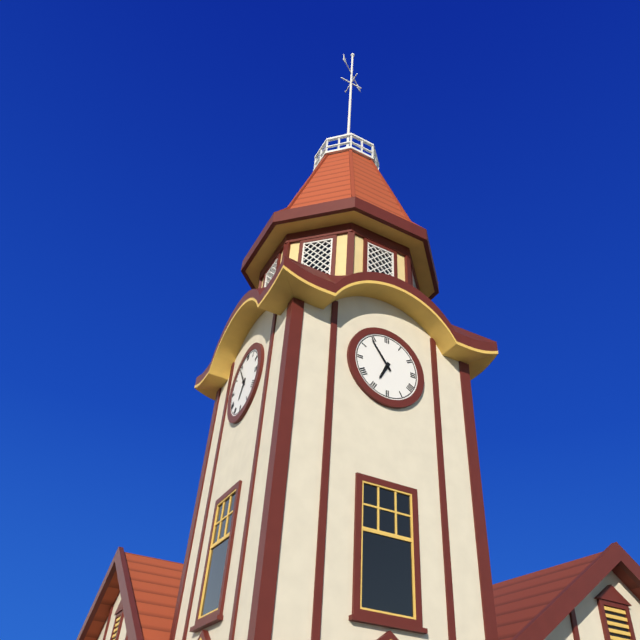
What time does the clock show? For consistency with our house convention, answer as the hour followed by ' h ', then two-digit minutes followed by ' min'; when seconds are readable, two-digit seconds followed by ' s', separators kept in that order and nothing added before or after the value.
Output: 6 h 54 min
